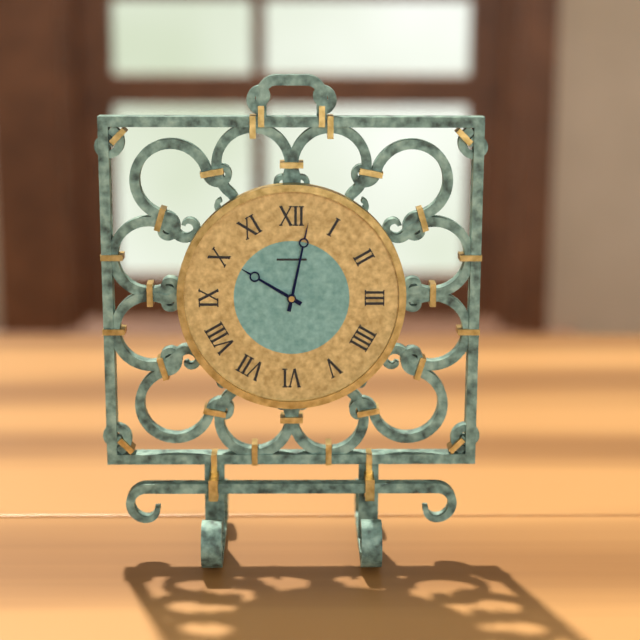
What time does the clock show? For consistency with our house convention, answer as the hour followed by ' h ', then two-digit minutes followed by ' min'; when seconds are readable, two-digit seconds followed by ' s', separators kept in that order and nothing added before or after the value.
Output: 10 h 02 min
